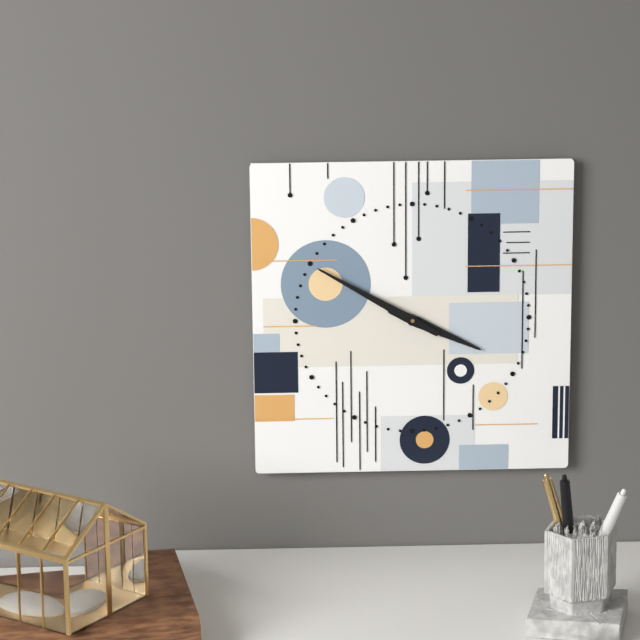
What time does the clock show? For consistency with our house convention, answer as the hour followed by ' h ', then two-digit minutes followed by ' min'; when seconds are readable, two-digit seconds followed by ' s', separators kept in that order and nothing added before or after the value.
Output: 3 h 50 min
